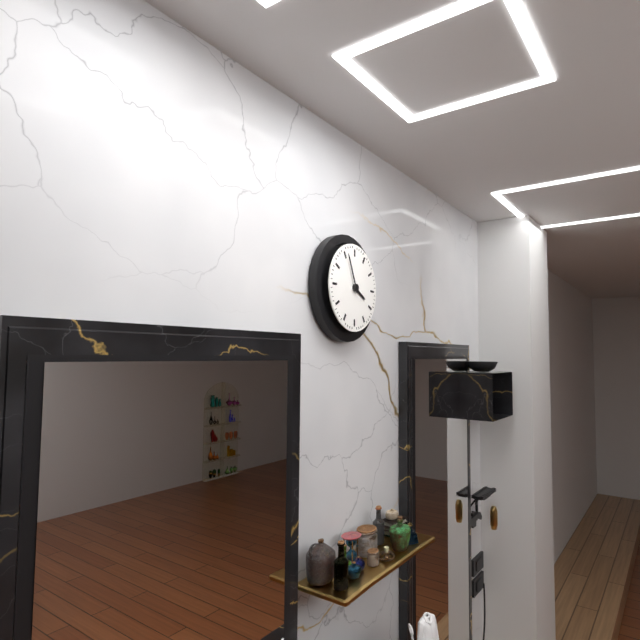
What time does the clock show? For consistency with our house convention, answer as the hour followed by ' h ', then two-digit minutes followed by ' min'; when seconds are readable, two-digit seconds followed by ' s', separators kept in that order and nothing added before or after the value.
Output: 3 h 56 min
